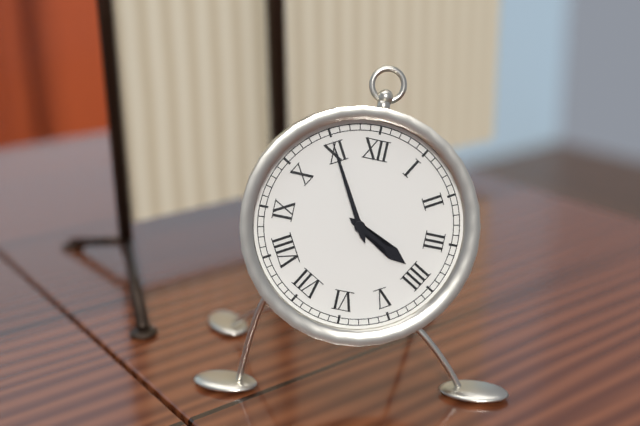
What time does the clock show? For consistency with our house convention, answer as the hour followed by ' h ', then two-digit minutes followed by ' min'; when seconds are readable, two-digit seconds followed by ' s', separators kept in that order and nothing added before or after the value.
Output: 3 h 55 min
